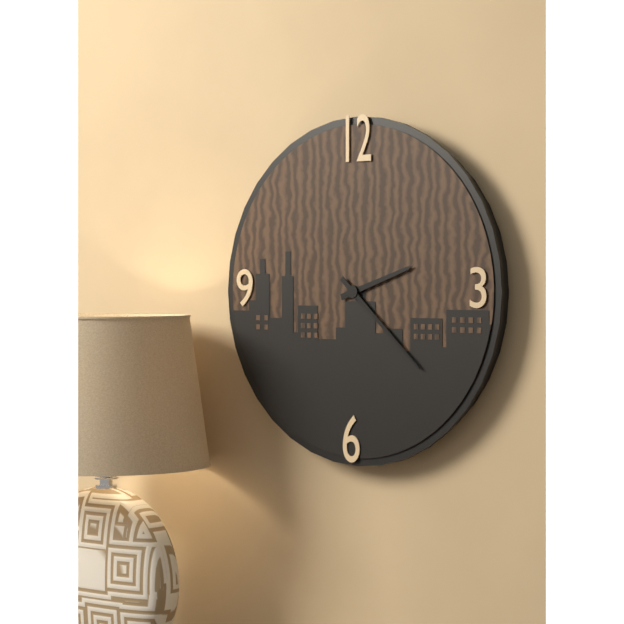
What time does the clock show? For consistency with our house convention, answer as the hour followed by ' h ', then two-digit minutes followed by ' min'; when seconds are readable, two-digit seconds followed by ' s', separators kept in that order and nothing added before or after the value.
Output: 2 h 22 min
